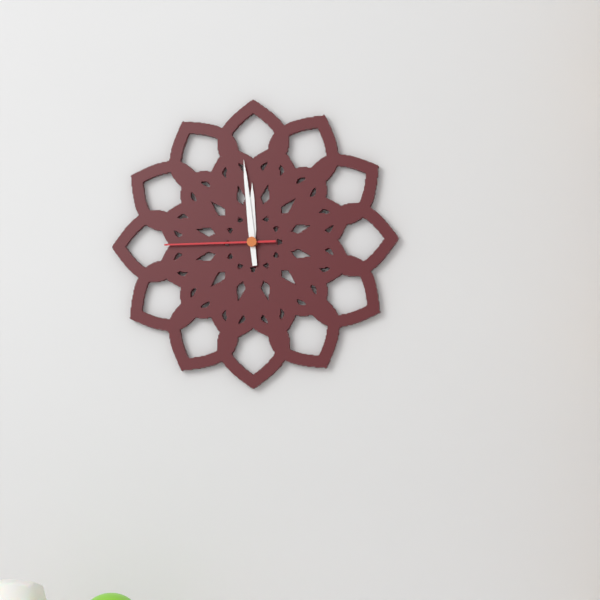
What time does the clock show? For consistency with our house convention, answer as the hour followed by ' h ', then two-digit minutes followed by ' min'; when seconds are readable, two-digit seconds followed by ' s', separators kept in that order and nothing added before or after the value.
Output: 11 h 59 min 45 s
